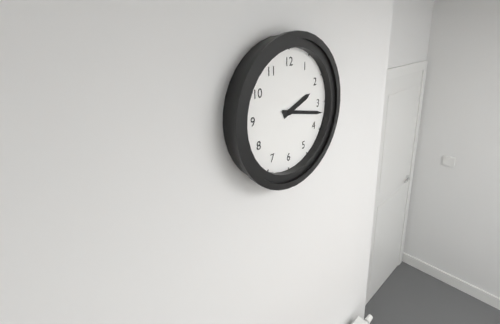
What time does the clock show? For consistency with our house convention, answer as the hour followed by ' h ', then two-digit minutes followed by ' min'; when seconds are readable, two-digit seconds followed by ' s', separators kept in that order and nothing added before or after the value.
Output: 2 h 17 min
